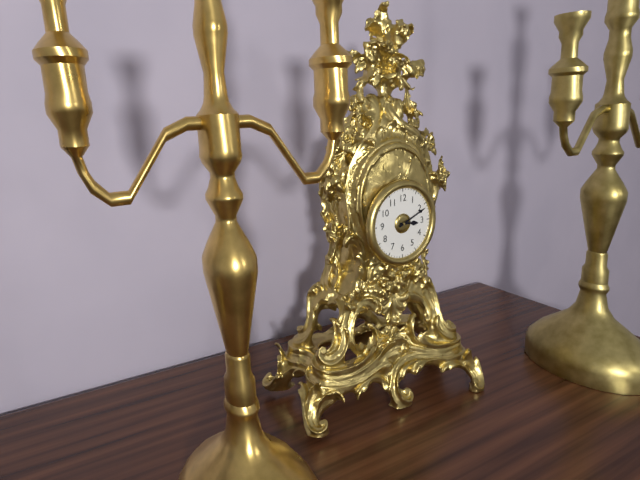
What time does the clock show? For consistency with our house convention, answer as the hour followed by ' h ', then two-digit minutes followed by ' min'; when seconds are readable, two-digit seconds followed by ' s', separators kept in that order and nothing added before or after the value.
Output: 3 h 11 min
